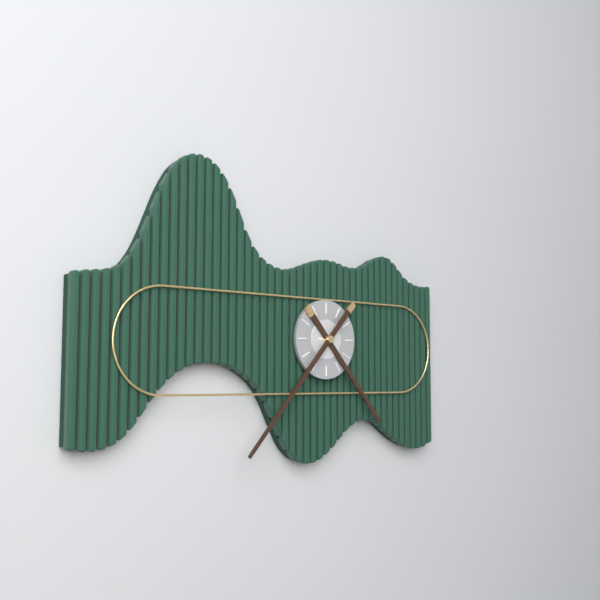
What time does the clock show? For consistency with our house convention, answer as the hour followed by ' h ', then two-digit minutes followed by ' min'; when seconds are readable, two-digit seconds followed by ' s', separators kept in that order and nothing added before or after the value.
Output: 4 h 37 min
